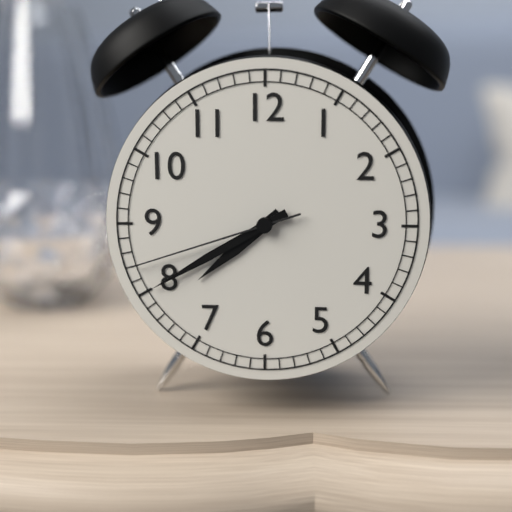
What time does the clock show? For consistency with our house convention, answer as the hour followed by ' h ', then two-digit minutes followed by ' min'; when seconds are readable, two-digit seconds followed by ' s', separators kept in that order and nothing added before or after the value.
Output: 7 h 40 min 42 s
